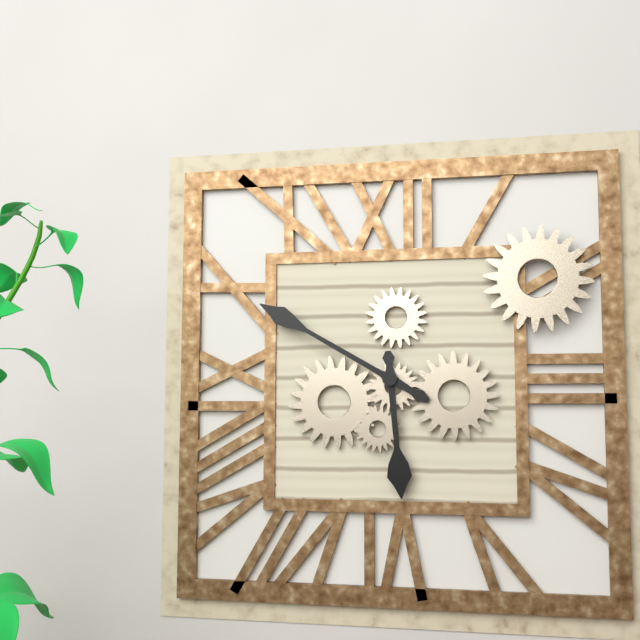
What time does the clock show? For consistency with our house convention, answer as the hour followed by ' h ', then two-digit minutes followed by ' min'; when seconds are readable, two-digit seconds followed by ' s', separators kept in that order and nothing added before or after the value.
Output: 5 h 50 min
